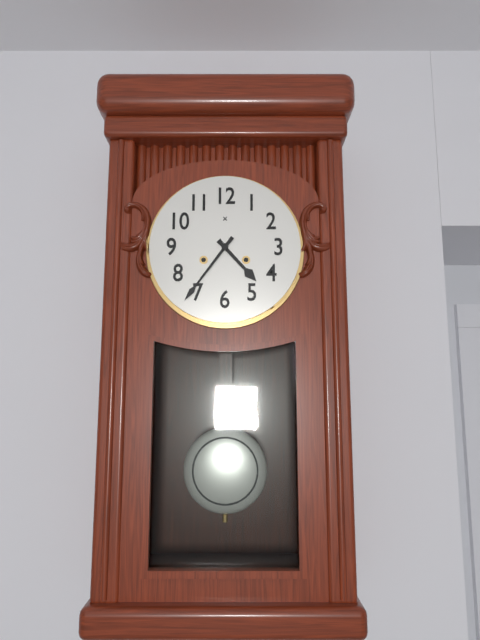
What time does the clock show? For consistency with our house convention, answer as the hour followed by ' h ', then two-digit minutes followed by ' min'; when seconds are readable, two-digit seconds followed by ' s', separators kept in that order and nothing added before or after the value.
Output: 4 h 36 min
